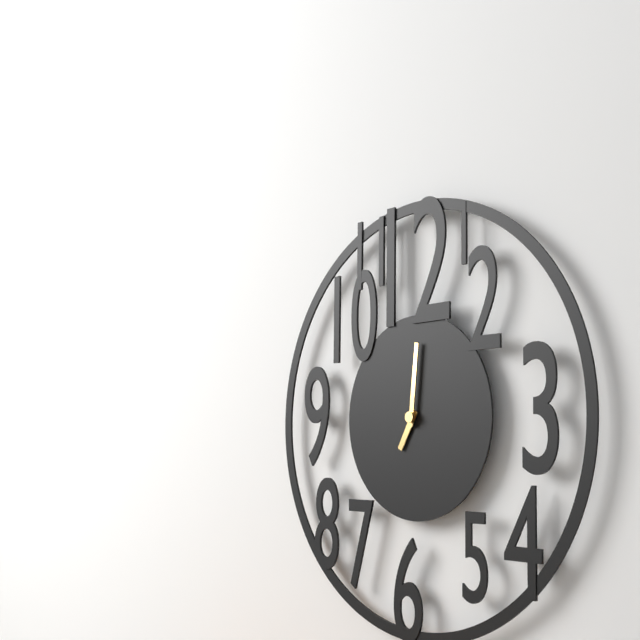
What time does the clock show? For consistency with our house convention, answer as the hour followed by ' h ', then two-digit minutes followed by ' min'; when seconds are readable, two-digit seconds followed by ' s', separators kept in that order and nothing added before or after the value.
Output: 7 h 01 min
